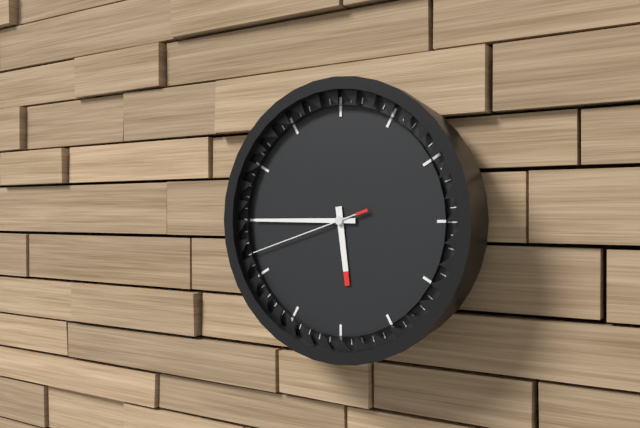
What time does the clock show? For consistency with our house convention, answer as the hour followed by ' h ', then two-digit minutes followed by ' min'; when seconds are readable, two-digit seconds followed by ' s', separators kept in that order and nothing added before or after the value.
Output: 5 h 45 min 42 s
